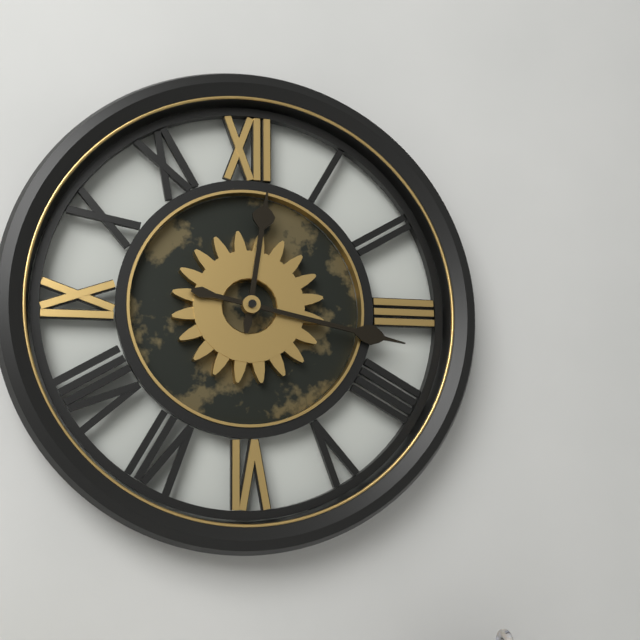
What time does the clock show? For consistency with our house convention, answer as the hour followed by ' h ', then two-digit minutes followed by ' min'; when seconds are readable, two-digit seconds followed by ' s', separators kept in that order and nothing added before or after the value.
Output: 12 h 17 min
